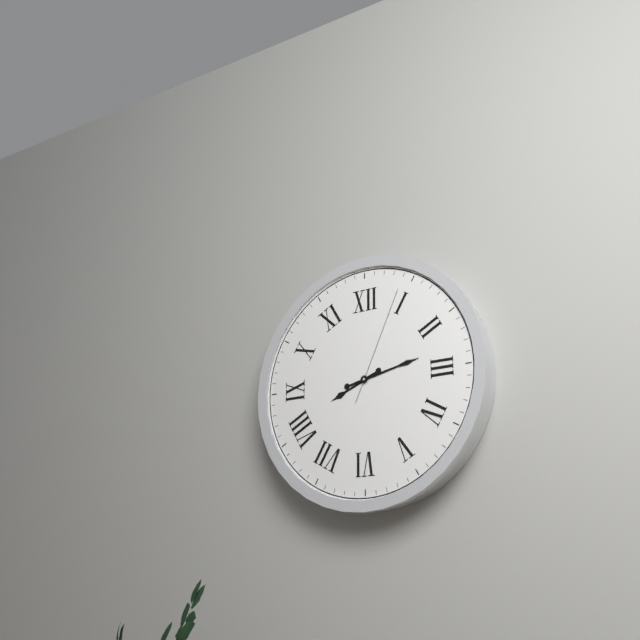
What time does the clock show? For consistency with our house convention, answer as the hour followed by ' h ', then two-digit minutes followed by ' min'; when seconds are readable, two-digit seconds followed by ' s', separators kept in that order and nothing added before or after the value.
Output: 8 h 13 min 04 s
